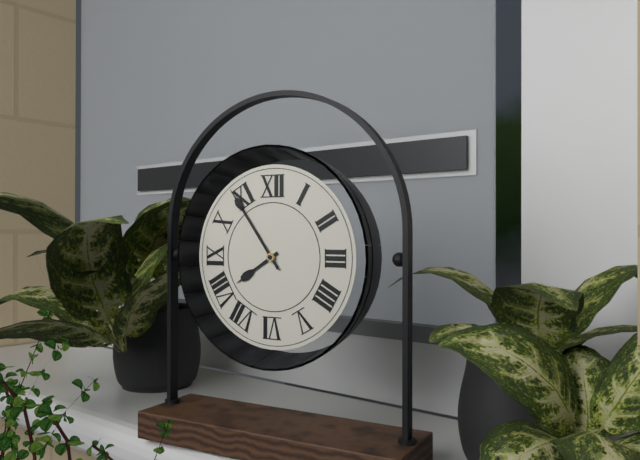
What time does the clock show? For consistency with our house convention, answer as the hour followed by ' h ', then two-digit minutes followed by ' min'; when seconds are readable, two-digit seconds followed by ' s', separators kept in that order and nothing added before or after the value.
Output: 7 h 54 min
